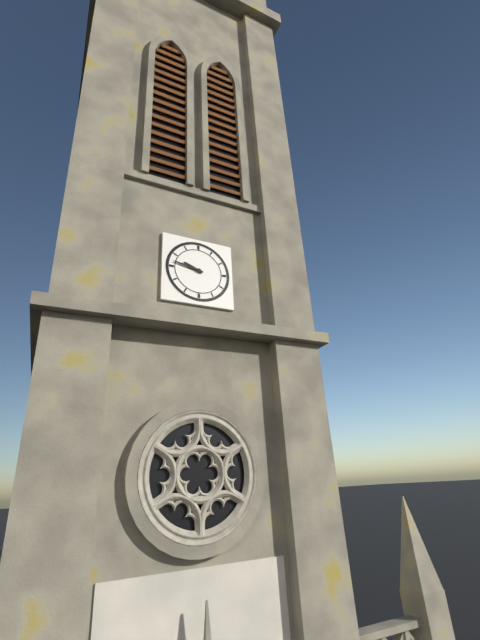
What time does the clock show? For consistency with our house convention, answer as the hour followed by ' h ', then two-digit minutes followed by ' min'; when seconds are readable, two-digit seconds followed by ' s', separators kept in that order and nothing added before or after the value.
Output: 9 h 47 min
